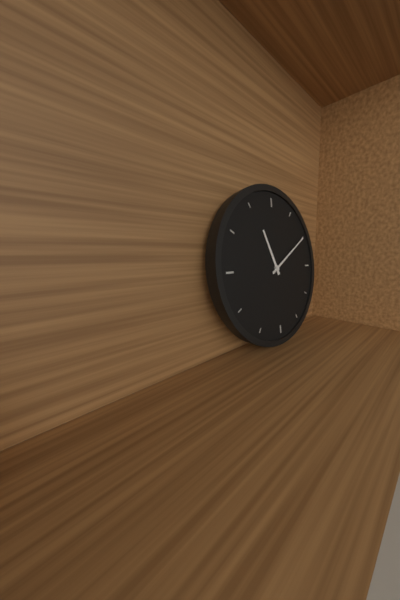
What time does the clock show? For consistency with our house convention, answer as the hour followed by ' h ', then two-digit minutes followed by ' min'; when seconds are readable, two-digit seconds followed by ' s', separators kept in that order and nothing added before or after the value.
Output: 11 h 10 min
